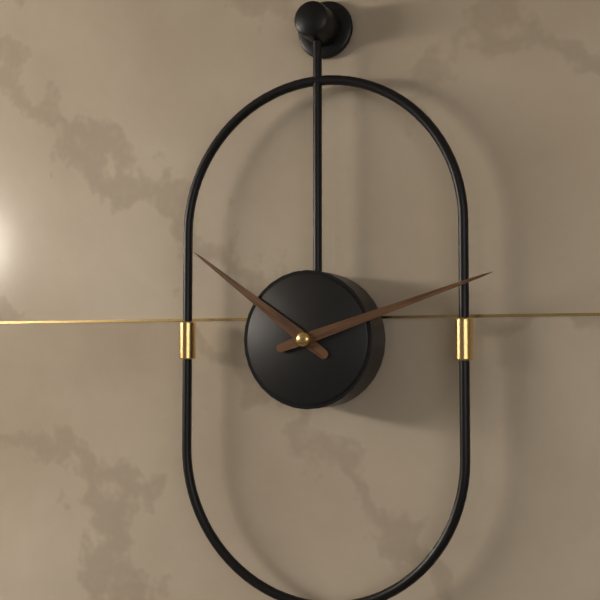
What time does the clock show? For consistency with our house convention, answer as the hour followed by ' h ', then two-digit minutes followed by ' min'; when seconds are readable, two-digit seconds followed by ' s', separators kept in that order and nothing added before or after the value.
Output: 10 h 12 min
